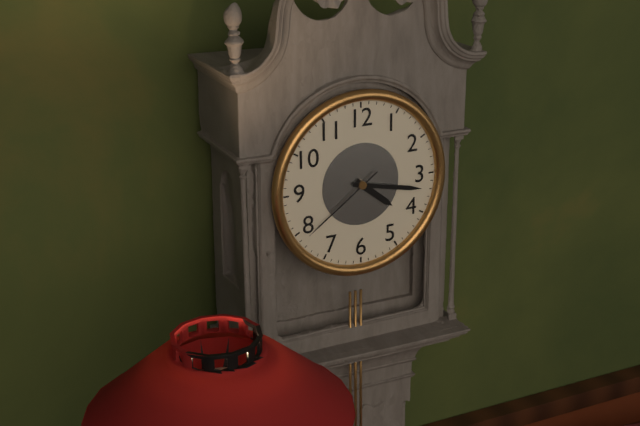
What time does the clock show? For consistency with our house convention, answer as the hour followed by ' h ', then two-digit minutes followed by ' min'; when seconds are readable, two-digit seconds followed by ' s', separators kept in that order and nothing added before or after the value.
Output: 4 h 17 min 39 s
